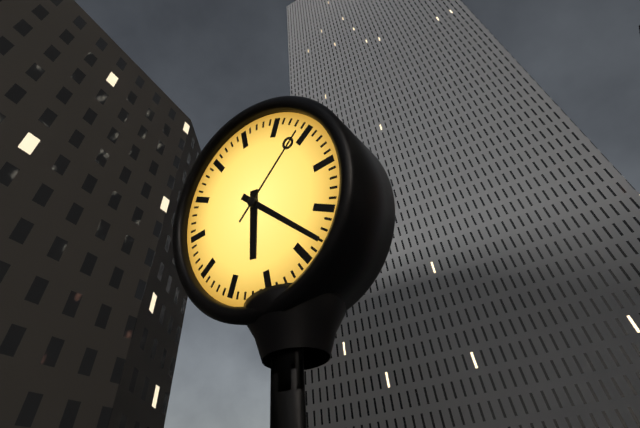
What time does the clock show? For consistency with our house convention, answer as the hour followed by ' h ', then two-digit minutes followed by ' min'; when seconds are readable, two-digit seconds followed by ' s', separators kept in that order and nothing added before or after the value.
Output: 6 h 23 min 09 s
